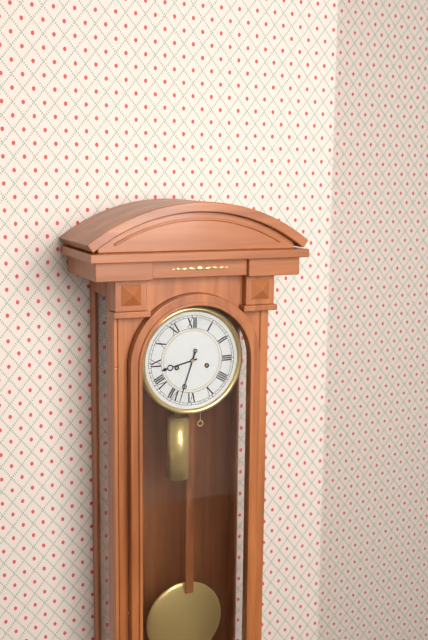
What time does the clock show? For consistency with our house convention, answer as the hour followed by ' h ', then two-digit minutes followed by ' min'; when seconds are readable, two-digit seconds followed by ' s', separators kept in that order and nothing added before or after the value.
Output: 8 h 33 min
